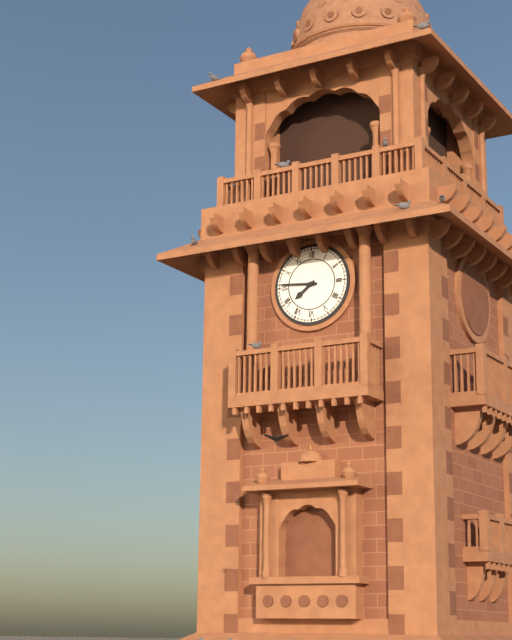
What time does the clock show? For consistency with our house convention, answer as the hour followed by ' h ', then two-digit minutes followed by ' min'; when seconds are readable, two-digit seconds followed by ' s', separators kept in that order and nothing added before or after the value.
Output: 7 h 46 min
